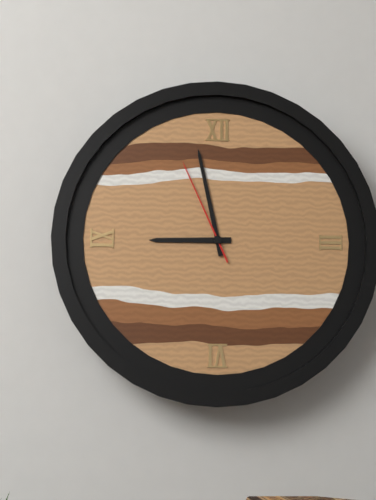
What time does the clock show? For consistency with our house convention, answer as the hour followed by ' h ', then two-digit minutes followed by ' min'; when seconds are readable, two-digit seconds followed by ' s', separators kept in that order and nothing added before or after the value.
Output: 8 h 58 min 56 s
